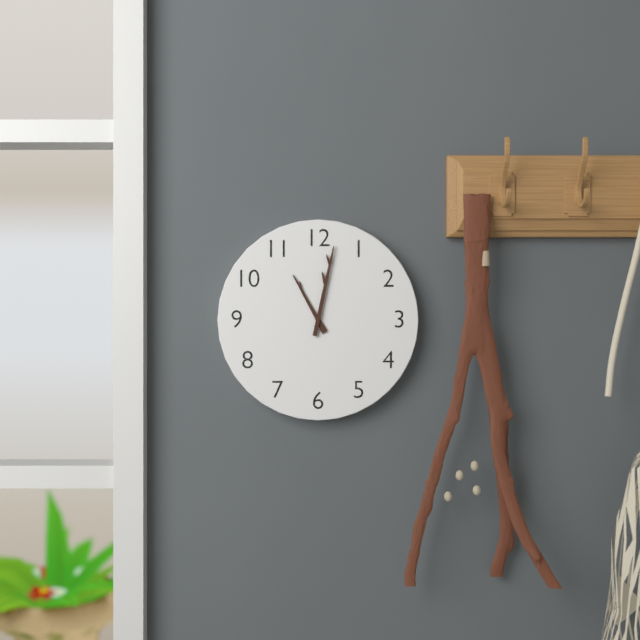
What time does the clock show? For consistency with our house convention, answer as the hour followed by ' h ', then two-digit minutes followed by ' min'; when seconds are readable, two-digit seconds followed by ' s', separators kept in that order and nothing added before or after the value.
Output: 11 h 02 min
